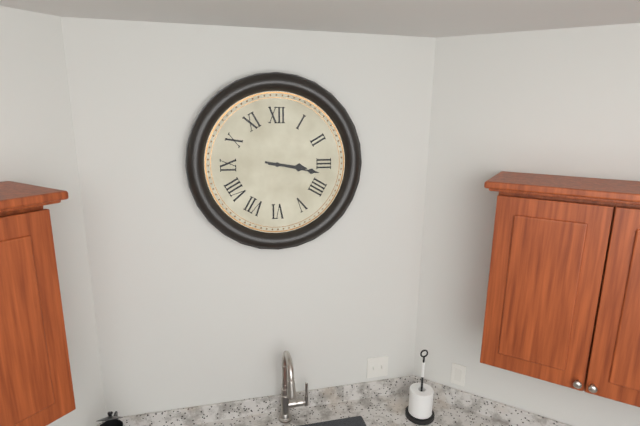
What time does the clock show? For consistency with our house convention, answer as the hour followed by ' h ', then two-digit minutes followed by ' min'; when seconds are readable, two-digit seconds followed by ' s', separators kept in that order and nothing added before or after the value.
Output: 3 h 17 min
